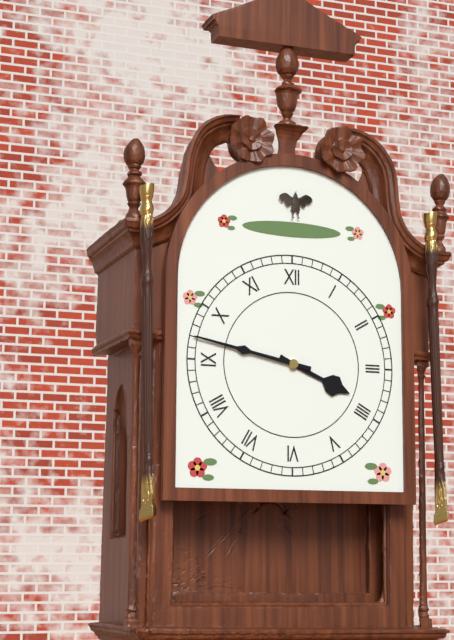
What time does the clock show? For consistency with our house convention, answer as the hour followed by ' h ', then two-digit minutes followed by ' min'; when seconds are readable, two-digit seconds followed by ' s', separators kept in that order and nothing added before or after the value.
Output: 3 h 47 min
